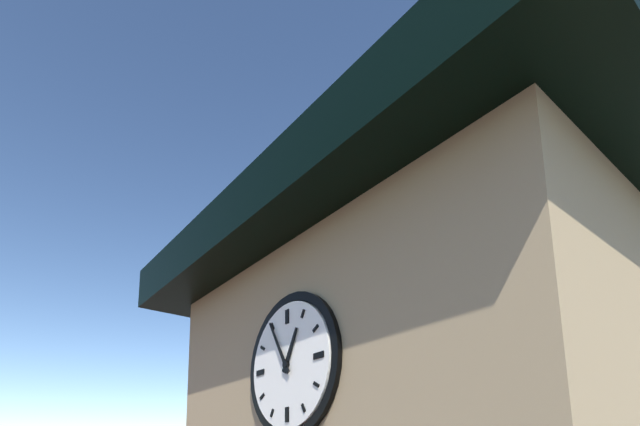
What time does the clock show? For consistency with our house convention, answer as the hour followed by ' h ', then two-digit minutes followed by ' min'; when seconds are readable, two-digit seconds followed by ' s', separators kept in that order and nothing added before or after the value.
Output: 12 h 55 min
